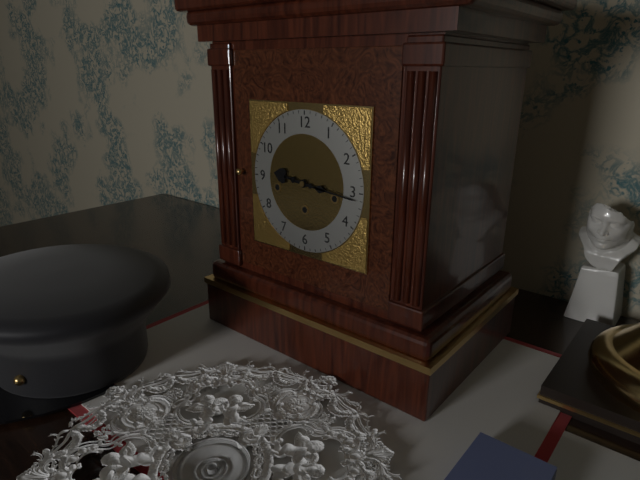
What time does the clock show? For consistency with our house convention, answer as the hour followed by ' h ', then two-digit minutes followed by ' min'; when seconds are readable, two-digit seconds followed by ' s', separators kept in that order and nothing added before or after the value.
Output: 9 h 16 min
